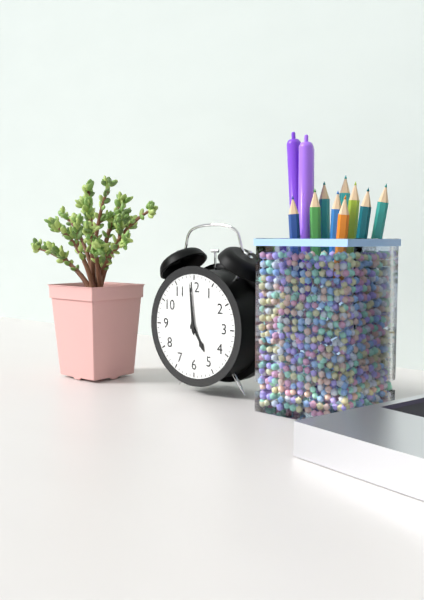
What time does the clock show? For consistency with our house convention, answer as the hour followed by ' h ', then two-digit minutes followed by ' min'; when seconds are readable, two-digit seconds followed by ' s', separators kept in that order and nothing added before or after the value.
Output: 4 h 59 min
